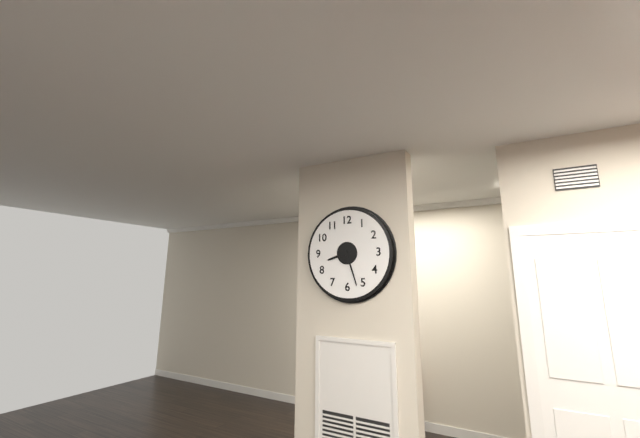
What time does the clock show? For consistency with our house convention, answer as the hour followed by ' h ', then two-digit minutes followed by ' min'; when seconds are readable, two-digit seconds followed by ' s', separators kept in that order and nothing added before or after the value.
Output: 8 h 27 min
